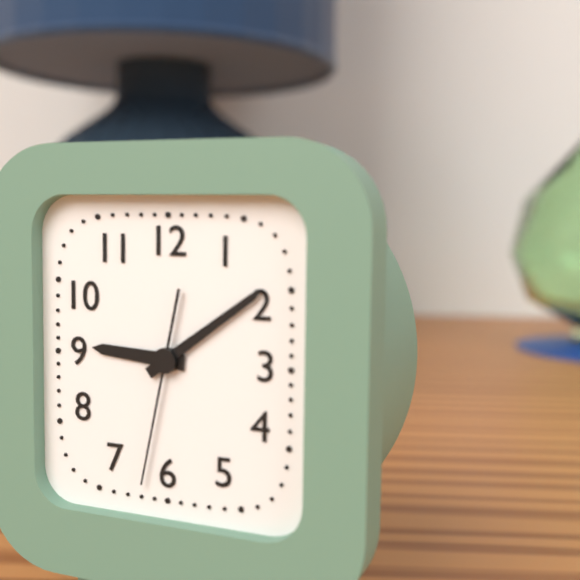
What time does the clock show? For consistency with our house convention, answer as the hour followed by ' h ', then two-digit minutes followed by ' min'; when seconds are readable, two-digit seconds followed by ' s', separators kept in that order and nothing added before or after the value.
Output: 9 h 09 min 32 s
